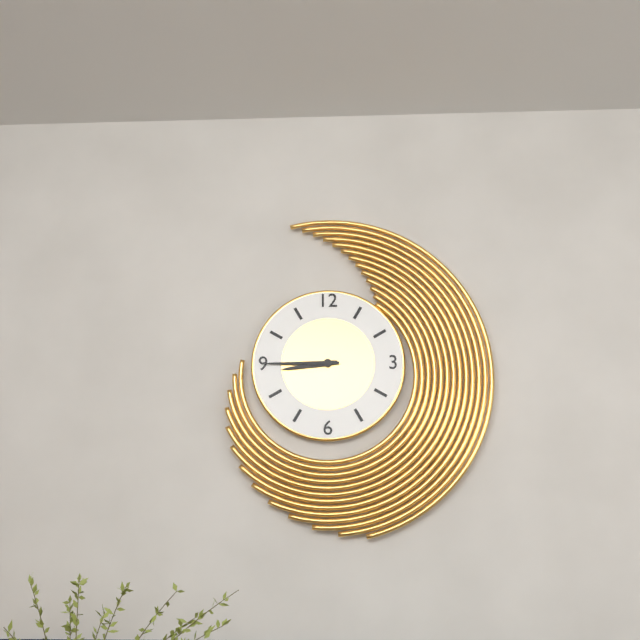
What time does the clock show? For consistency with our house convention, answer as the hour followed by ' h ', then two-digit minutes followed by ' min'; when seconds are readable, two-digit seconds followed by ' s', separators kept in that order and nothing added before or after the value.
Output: 8 h 45 min
